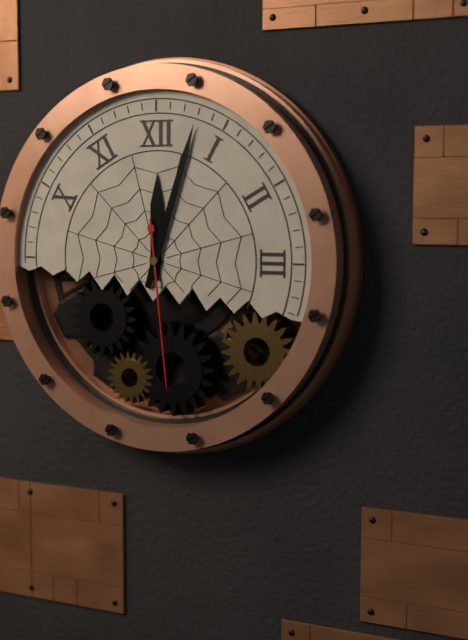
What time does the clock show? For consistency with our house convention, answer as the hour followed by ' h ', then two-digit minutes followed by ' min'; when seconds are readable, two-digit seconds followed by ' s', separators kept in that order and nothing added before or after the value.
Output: 12 h 03 min 29 s
